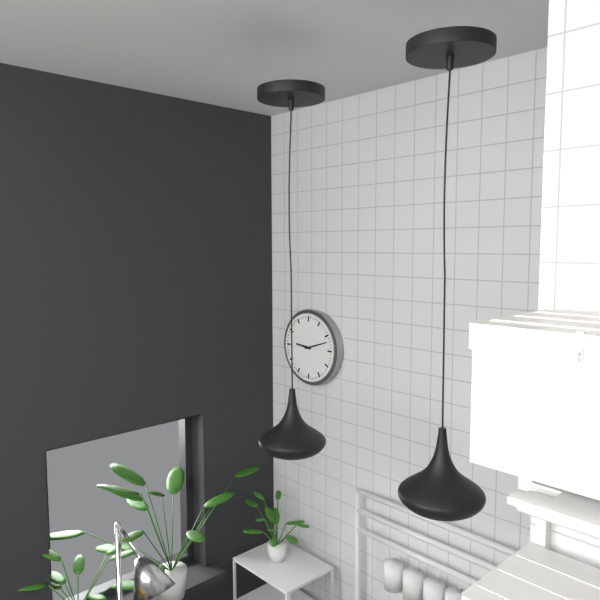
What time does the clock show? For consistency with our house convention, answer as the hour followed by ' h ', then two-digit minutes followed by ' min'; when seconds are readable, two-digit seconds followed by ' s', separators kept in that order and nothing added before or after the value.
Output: 9 h 12 min
